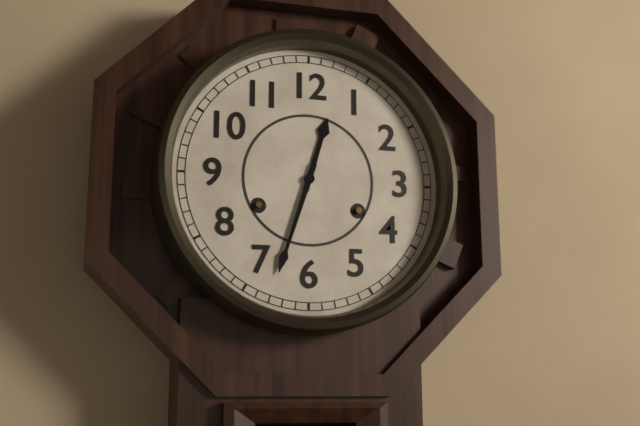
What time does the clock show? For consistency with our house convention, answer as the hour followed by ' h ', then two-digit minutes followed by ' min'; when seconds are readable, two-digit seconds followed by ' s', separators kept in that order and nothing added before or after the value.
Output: 12 h 33 min
